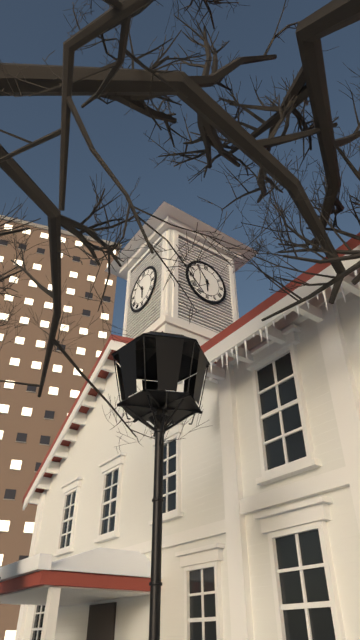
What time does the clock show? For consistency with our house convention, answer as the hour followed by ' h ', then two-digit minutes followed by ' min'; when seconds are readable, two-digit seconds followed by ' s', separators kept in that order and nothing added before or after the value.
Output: 5 h 54 min
